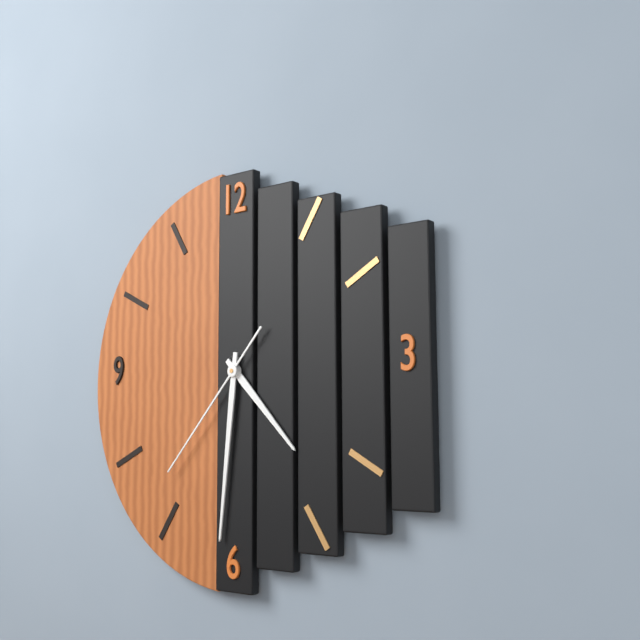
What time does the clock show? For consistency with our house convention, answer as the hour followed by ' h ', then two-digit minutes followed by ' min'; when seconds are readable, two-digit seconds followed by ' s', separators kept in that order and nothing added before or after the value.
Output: 4 h 31 min 37 s
